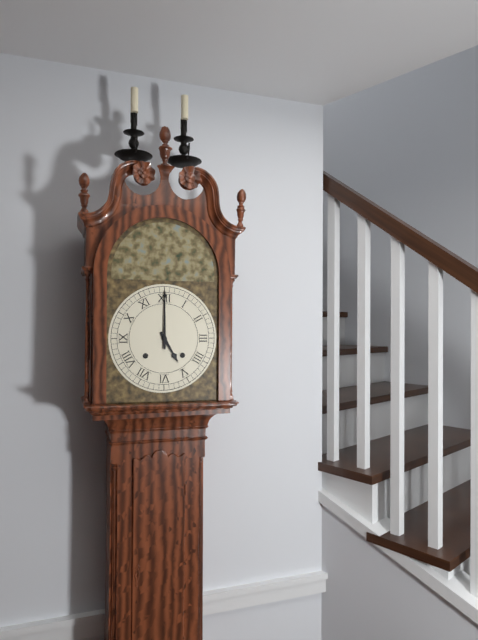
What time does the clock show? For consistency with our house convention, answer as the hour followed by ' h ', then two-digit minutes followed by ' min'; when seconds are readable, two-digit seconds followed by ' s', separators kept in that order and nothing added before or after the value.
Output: 5 h 00 min
